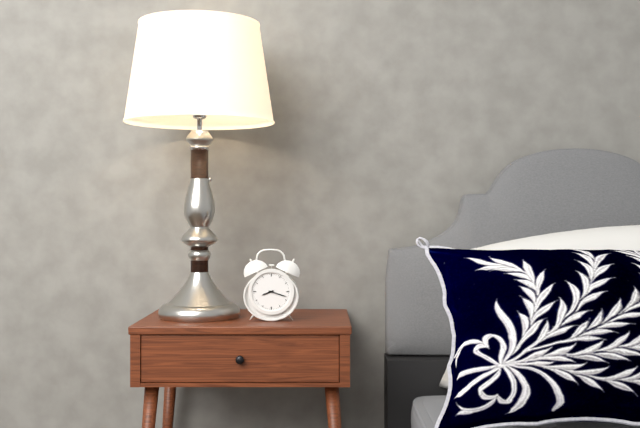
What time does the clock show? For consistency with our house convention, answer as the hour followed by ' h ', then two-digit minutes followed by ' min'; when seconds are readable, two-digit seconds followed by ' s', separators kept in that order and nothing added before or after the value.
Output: 8 h 18 min
